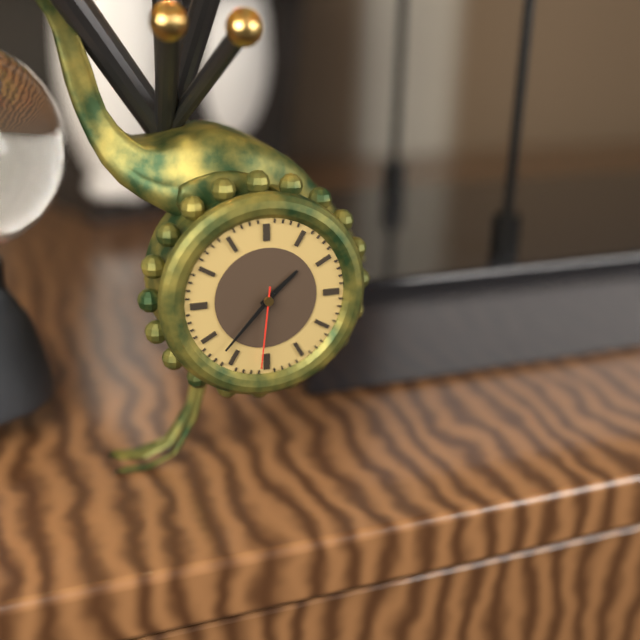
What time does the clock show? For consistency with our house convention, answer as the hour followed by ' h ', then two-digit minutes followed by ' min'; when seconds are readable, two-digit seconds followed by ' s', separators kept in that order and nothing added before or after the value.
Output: 1 h 37 min 31 s
